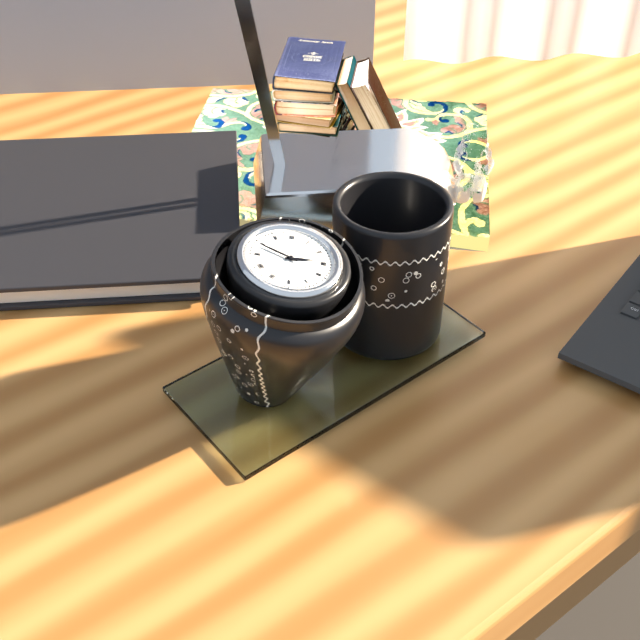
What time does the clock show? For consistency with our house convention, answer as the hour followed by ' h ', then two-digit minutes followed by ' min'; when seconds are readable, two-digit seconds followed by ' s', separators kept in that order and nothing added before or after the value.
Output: 2 h 49 min
